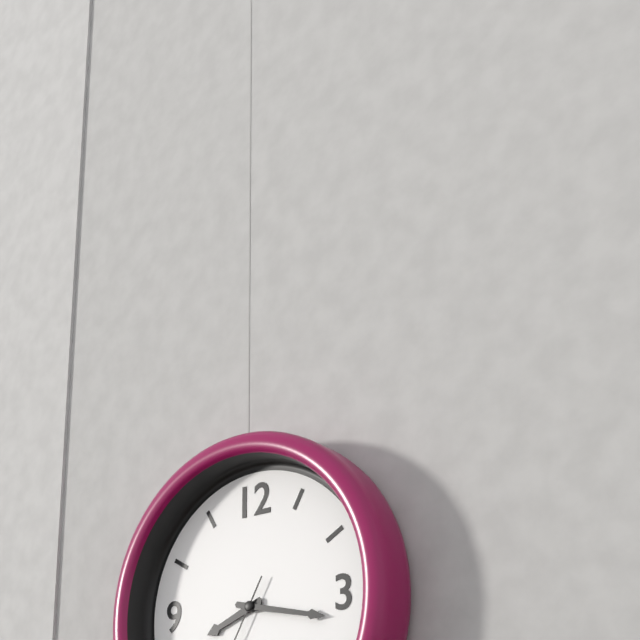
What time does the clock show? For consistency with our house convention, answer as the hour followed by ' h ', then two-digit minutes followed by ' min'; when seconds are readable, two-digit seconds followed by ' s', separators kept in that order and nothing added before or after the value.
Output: 8 h 17 min
